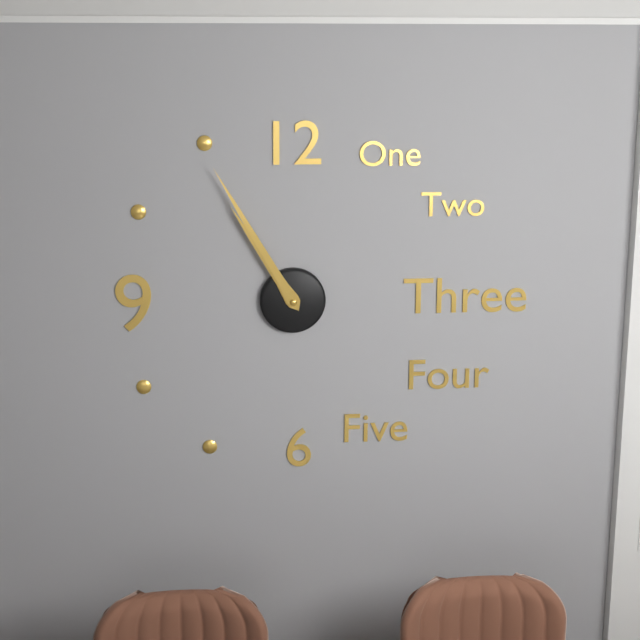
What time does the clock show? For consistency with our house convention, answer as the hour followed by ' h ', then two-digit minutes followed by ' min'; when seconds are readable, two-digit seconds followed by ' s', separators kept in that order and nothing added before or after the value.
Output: 10 h 55 min
